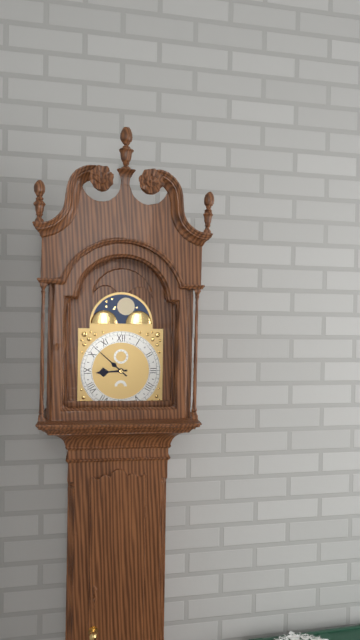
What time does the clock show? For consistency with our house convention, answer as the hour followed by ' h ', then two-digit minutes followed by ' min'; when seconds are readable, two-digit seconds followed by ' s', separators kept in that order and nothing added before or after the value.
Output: 8 h 52 min
